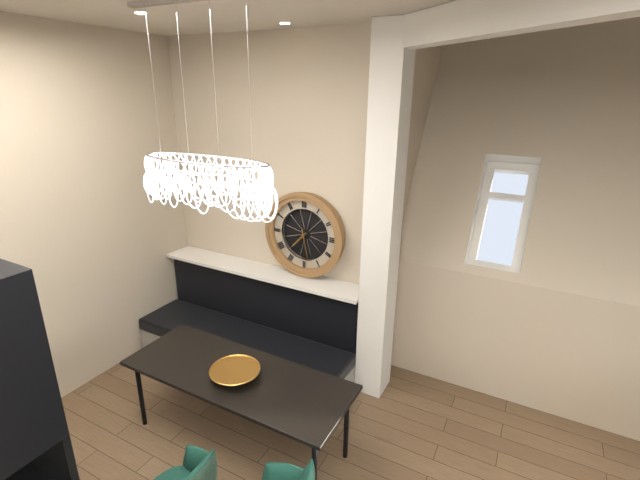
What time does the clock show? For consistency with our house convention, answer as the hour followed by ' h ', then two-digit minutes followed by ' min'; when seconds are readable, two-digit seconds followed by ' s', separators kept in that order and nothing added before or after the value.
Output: 7 h 28 min
